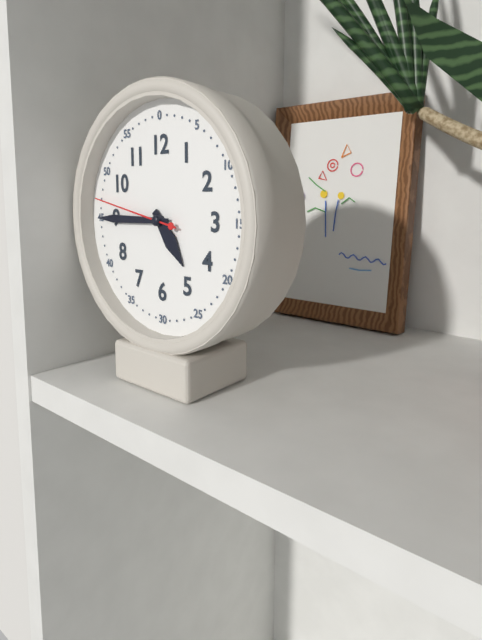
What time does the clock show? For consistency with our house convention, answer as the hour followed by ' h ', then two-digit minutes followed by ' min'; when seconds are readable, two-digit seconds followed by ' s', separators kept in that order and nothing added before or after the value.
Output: 4 h 45 min 47 s
